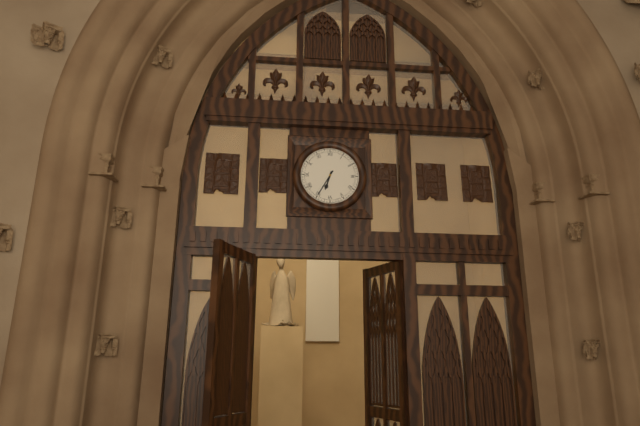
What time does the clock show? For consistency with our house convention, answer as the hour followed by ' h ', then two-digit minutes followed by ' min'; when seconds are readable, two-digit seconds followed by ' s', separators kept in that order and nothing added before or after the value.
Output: 6 h 35 min
